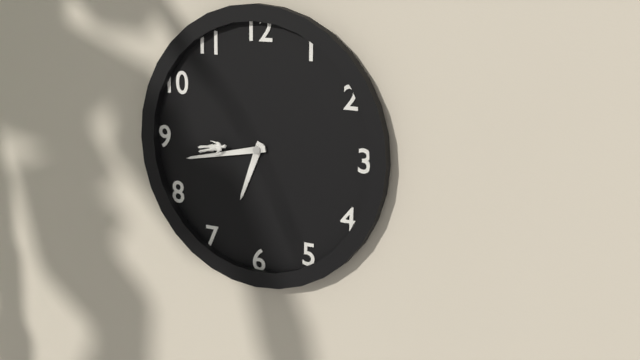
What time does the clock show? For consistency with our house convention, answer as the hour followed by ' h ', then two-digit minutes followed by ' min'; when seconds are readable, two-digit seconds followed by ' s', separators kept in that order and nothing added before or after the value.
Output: 6 h 43 min
